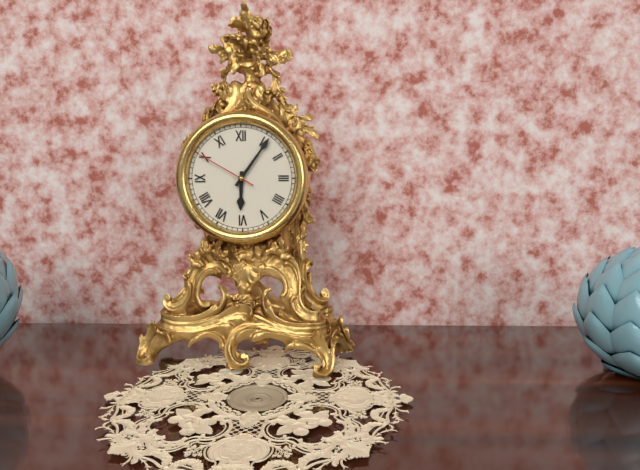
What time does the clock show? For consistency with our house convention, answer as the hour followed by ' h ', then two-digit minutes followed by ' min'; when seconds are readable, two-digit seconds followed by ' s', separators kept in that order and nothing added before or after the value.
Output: 6 h 06 min 50 s
